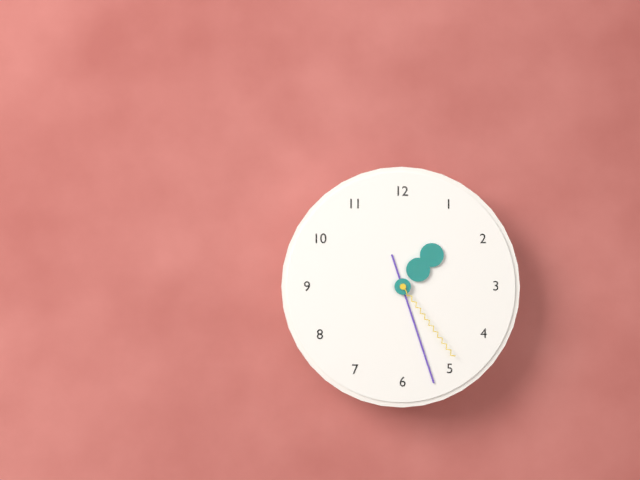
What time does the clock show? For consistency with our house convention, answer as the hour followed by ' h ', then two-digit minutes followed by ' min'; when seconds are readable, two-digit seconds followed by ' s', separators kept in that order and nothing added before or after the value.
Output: 1 h 27 min 24 s
